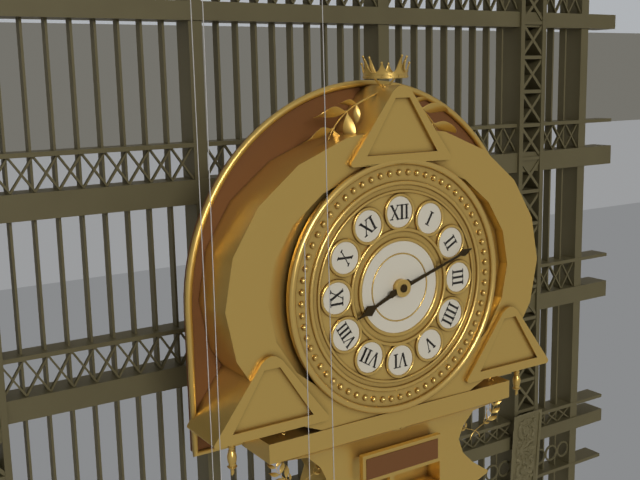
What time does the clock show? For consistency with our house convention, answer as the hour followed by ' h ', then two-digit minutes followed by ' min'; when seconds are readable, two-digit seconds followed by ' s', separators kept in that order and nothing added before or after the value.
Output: 8 h 12 min
